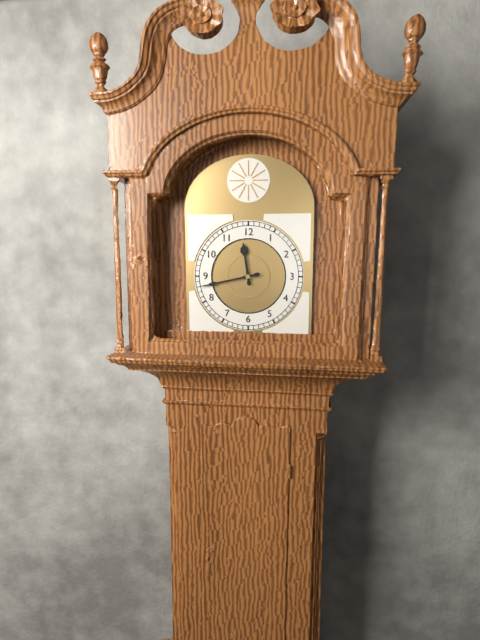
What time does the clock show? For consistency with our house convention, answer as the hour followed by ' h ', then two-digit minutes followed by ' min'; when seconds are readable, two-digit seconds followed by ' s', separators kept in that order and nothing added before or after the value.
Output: 11 h 43 min
